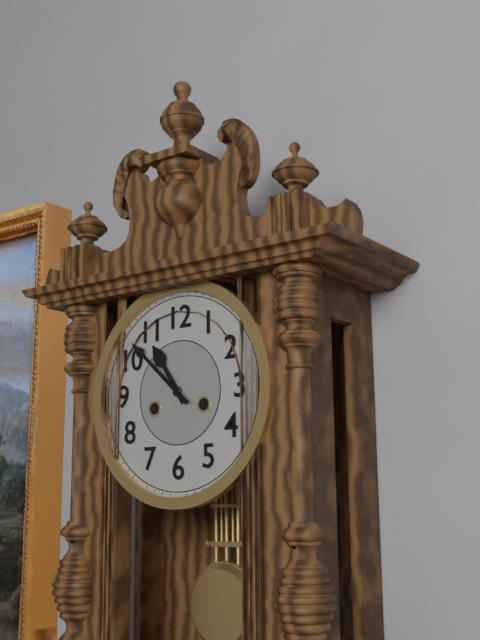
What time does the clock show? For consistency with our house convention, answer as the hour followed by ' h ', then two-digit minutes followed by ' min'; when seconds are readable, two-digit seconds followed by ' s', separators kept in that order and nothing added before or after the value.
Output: 10 h 52 min
